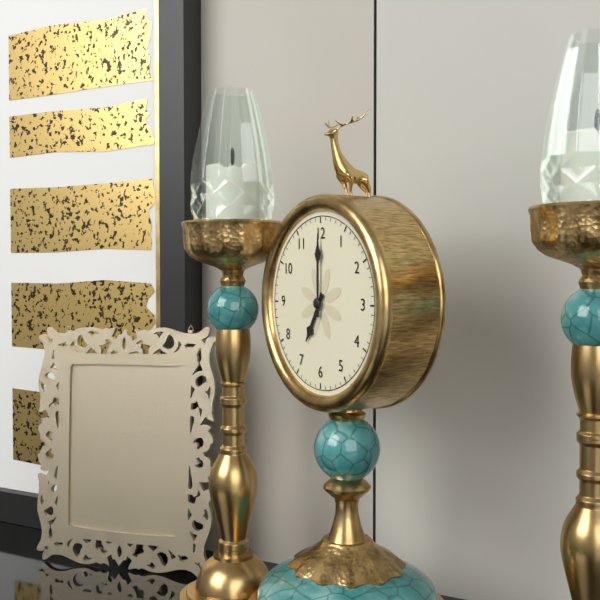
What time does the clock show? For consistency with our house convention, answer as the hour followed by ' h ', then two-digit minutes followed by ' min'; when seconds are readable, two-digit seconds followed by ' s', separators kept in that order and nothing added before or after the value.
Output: 7 h 00 min
